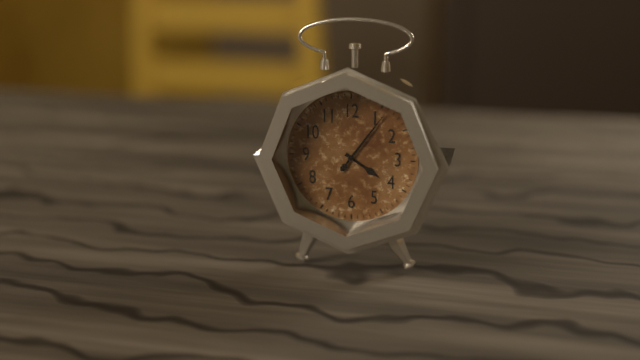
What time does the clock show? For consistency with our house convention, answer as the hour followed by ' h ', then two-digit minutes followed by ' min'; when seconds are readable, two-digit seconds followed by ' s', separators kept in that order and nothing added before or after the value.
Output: 4 h 06 min
